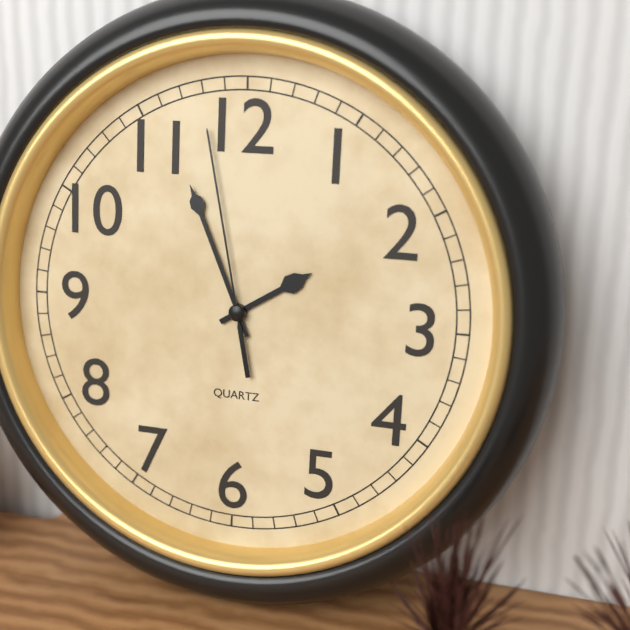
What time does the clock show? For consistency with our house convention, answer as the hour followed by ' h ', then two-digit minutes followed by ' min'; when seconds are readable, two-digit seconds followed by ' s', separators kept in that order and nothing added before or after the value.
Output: 1 h 56 min 58 s
